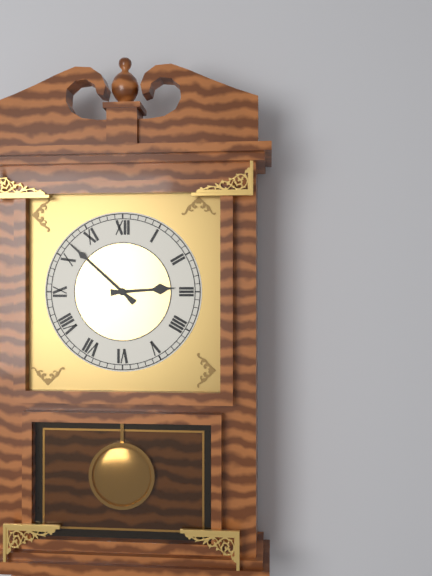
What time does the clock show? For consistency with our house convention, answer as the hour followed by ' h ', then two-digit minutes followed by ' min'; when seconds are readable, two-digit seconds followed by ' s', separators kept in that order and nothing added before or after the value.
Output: 2 h 52 min
